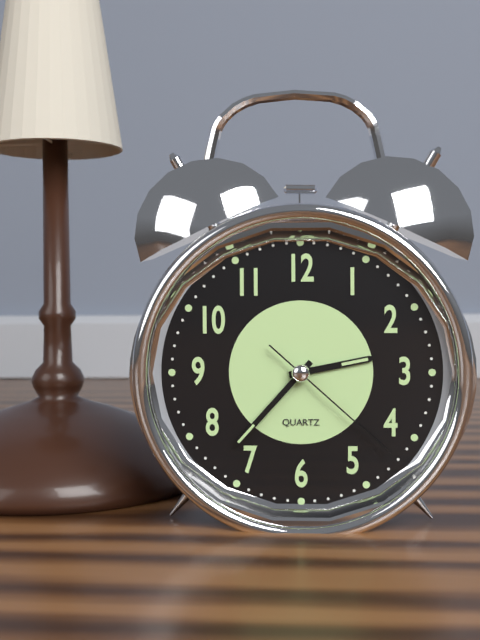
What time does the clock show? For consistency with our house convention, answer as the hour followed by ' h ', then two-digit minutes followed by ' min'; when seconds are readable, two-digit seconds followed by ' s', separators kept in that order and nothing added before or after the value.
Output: 2 h 37 min 22 s
